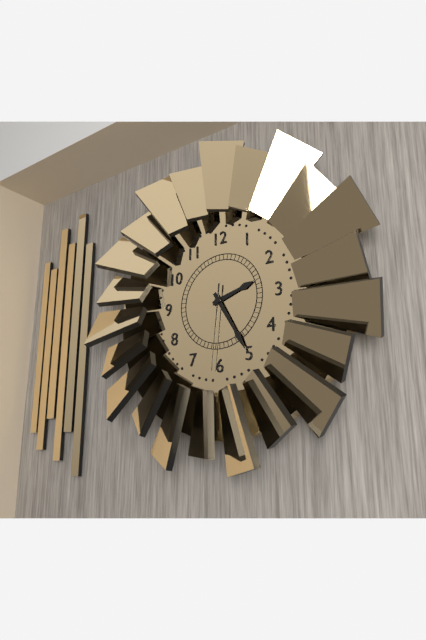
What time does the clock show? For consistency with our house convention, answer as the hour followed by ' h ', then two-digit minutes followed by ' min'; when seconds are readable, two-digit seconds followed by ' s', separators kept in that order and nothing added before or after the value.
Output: 2 h 25 min 31 s
